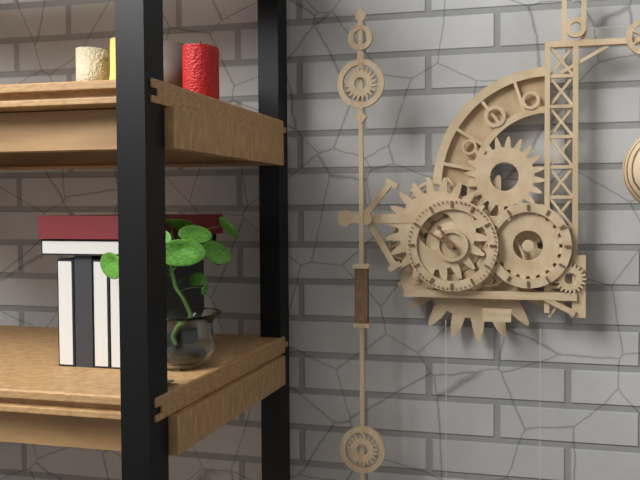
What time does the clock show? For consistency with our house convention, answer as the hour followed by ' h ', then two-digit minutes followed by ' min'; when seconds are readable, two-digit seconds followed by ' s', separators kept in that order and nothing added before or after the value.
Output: 10 h 50 min
